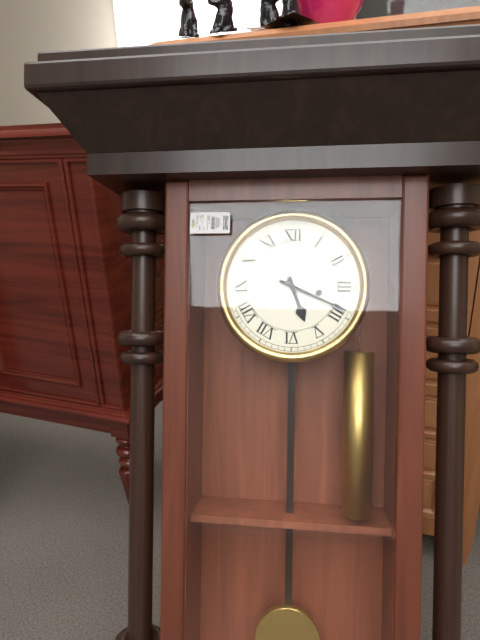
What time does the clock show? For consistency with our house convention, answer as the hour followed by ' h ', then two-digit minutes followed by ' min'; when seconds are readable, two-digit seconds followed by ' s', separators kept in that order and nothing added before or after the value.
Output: 5 h 19 min
